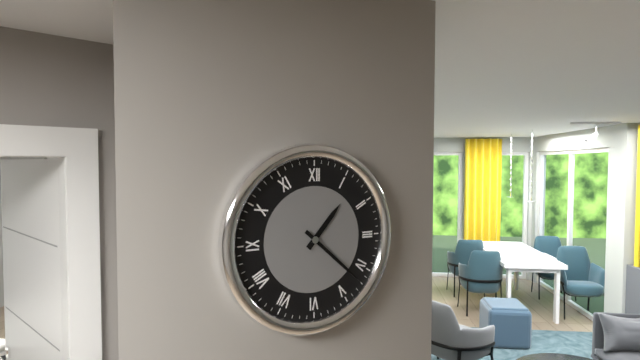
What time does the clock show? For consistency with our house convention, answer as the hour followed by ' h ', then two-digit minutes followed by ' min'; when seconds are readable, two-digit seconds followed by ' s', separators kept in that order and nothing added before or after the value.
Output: 1 h 22 min
